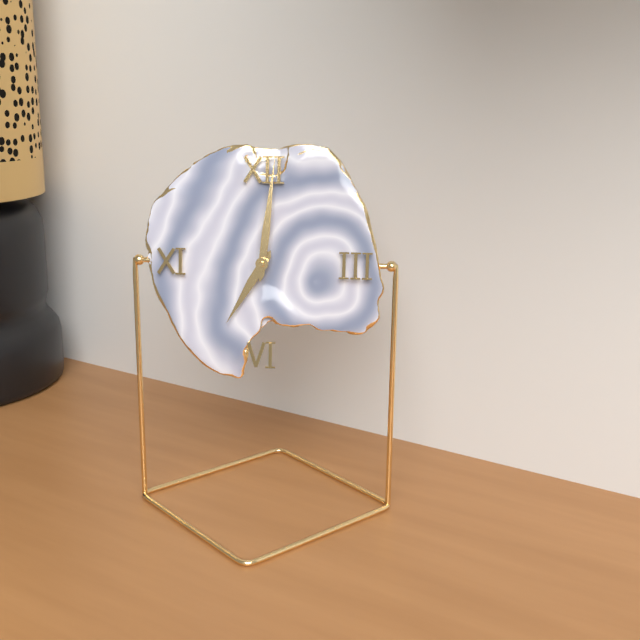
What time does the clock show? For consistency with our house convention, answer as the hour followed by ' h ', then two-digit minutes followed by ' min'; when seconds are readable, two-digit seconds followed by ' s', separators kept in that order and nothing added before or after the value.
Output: 7 h 01 min
